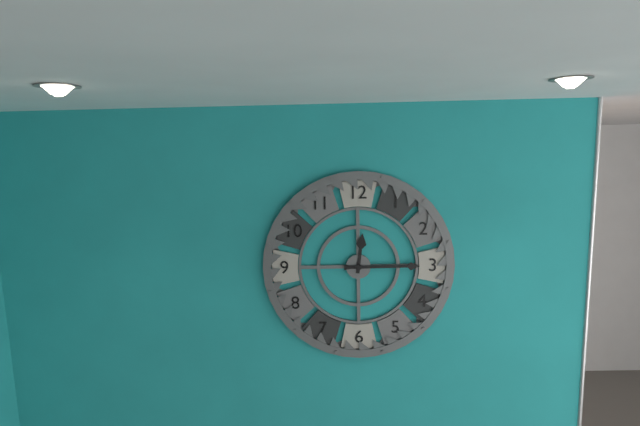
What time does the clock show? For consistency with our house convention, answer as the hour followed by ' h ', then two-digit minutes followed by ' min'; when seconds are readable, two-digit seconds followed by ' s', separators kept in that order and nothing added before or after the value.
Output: 12 h 15 min
